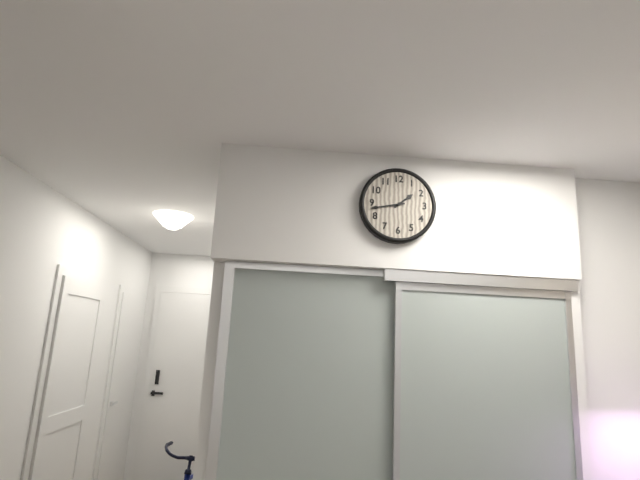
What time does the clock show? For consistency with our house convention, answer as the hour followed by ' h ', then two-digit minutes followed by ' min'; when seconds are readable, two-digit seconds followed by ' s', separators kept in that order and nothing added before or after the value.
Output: 1 h 43 min
